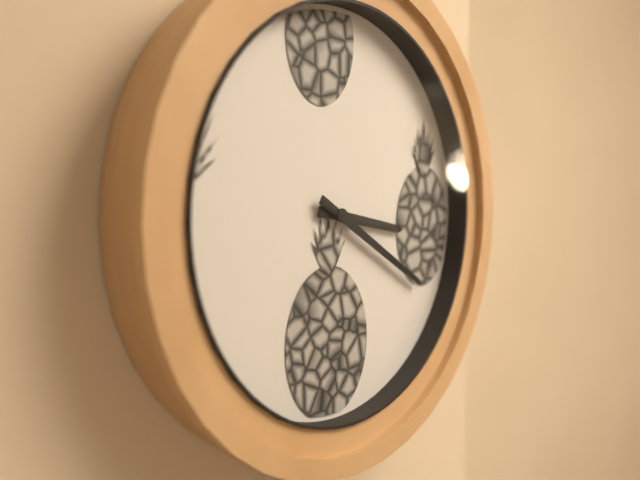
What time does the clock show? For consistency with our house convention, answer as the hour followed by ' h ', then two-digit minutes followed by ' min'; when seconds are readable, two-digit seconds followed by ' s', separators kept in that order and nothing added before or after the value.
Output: 3 h 20 min
